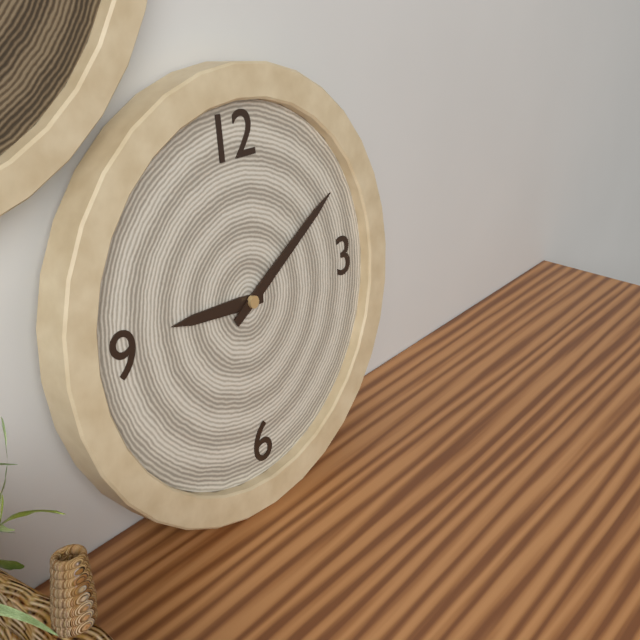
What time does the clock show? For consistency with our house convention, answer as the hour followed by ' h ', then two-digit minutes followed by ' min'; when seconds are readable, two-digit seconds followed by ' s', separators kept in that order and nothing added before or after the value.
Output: 9 h 10 min
